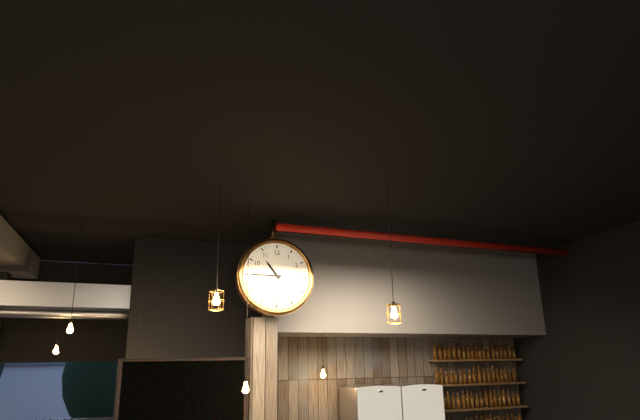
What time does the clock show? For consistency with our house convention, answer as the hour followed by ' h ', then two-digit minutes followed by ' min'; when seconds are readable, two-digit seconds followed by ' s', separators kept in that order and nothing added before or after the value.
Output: 10 h 45 min
